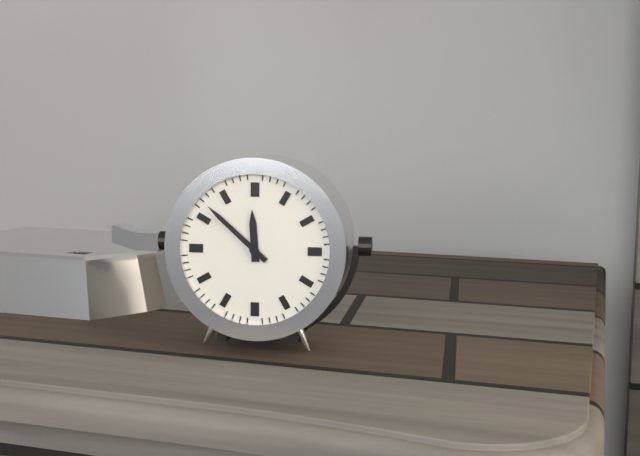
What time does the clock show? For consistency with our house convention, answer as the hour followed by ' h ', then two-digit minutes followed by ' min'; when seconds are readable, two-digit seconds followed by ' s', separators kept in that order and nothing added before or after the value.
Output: 11 h 52 min
